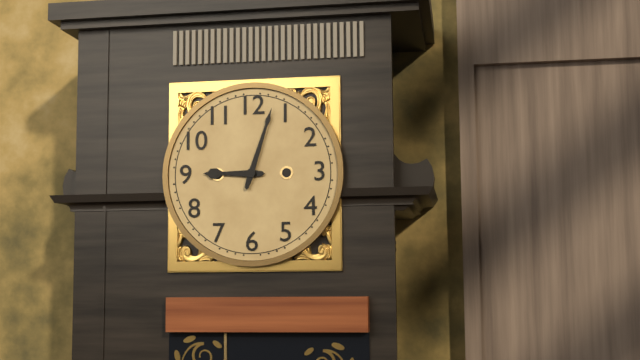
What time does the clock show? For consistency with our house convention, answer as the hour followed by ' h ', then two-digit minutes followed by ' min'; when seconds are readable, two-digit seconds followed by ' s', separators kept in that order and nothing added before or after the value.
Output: 9 h 03 min
